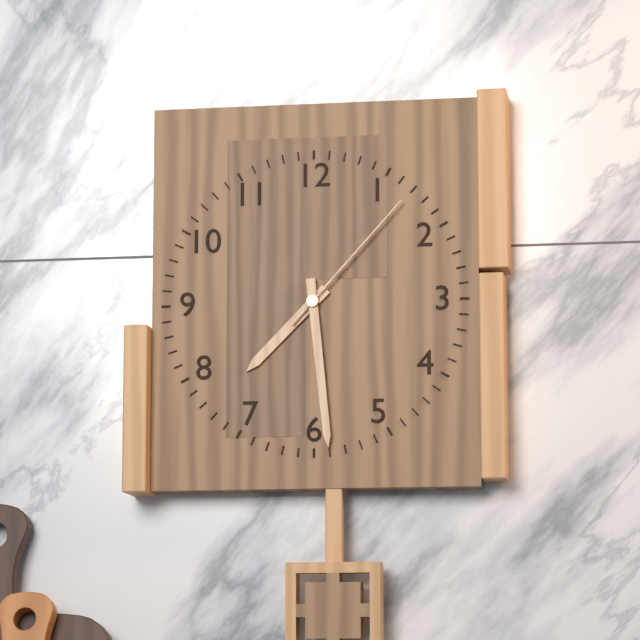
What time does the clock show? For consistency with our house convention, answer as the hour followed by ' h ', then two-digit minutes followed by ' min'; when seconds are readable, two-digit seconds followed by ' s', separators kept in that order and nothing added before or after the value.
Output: 7 h 29 min 07 s
